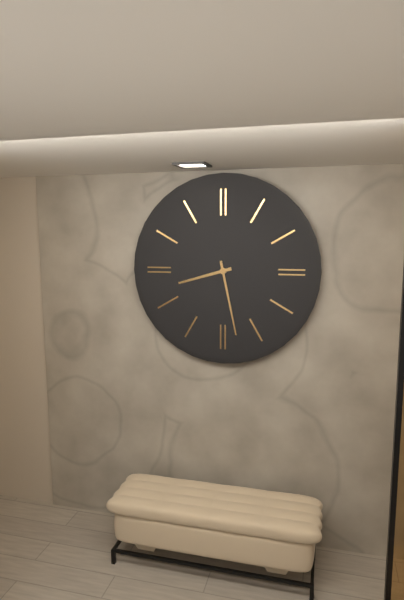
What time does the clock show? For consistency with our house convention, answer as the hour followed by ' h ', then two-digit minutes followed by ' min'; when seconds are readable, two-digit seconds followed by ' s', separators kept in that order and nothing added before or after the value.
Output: 8 h 28 min
